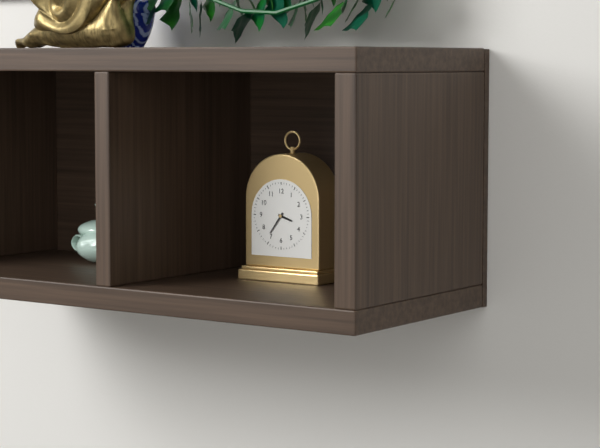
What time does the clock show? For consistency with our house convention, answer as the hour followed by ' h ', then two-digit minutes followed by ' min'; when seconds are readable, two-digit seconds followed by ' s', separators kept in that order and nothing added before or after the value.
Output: 3 h 36 min
